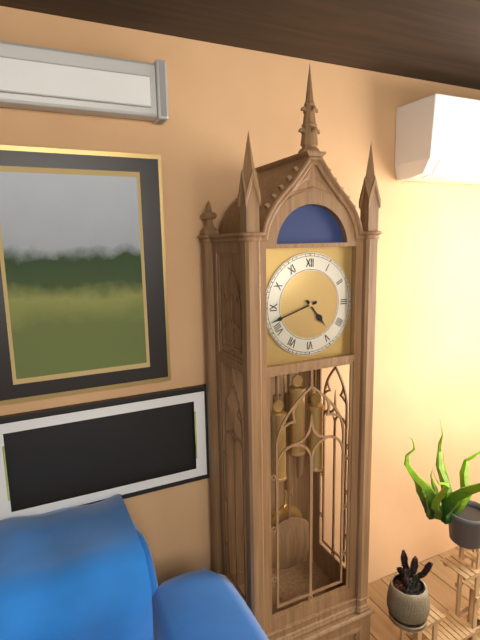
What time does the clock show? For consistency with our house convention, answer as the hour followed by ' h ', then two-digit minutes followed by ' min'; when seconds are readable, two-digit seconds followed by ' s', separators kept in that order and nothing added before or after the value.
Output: 4 h 42 min
